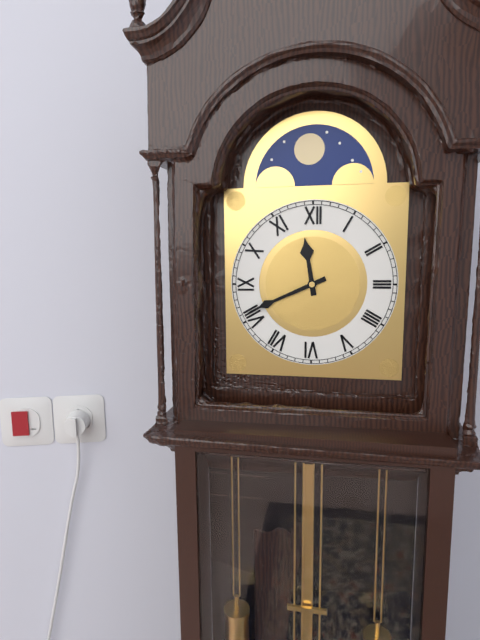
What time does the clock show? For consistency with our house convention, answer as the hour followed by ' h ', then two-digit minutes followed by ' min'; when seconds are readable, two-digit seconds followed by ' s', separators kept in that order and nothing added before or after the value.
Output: 11 h 41 min
